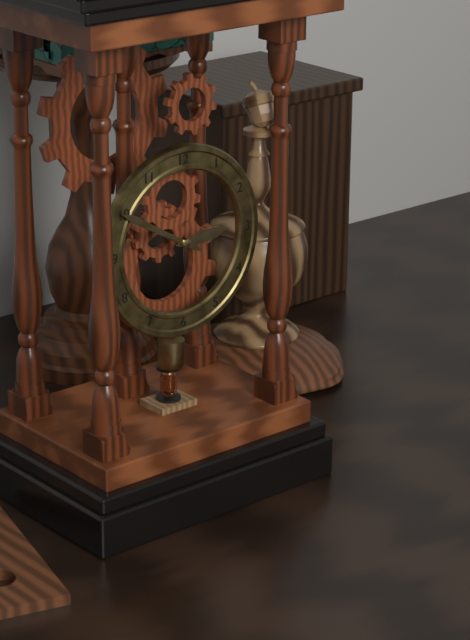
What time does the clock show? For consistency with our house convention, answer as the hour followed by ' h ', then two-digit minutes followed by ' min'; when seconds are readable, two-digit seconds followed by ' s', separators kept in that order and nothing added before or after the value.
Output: 2 h 50 min
